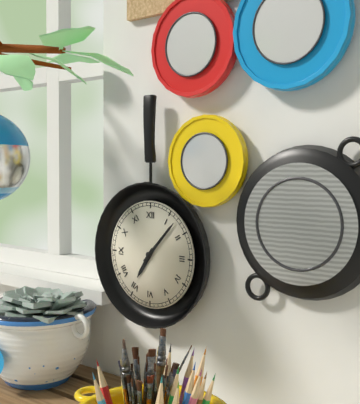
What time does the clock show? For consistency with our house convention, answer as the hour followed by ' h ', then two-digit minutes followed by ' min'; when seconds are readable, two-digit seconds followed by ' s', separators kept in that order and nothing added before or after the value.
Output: 7 h 07 min
